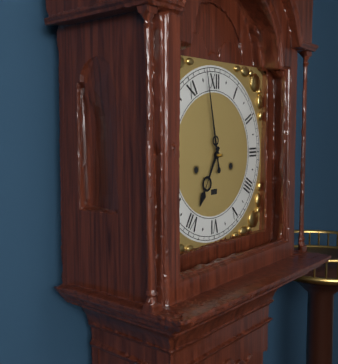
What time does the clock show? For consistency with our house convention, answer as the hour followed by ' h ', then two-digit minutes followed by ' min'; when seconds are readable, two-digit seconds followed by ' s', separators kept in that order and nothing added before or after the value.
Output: 6 h 58 min
